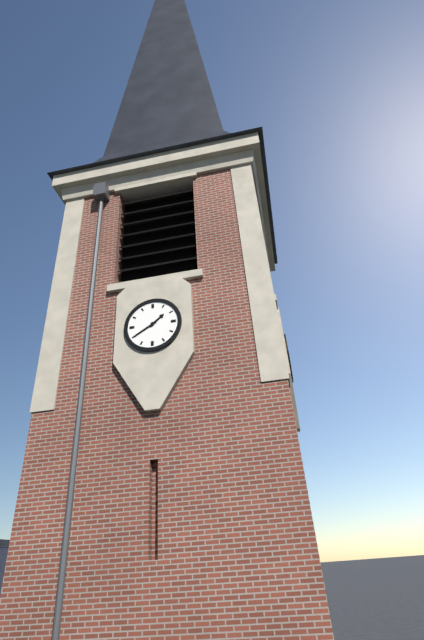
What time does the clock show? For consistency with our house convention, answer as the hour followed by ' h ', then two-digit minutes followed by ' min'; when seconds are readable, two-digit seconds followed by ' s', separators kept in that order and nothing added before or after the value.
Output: 1 h 40 min
